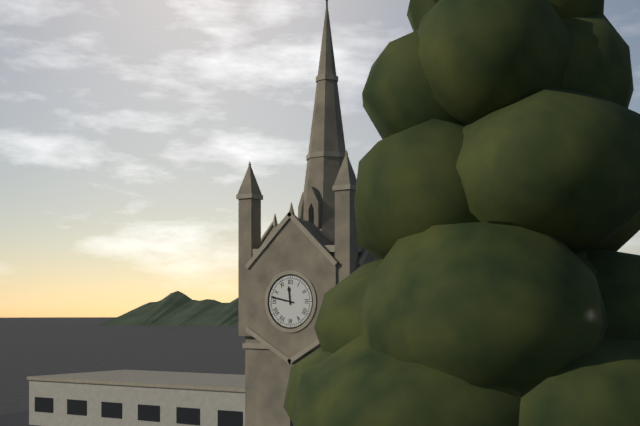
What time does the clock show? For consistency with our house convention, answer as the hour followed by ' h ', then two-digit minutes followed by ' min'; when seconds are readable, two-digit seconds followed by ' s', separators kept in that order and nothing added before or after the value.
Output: 11 h 47 min
